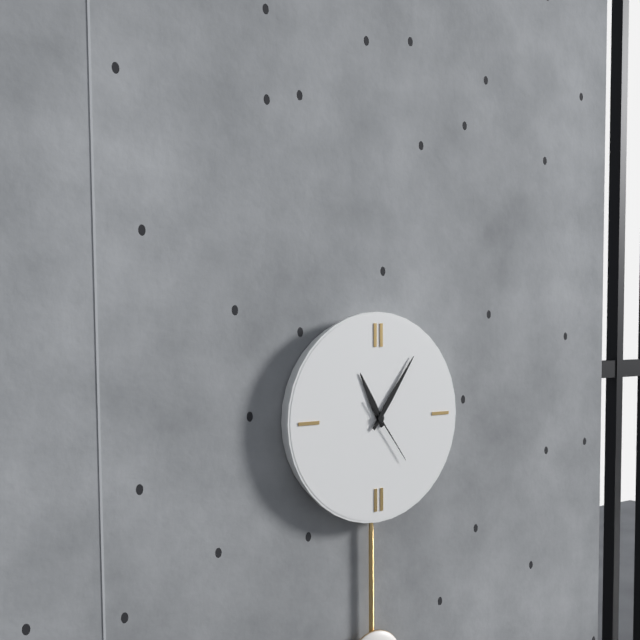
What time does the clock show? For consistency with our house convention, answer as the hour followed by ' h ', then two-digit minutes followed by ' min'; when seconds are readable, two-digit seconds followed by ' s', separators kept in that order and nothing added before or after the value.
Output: 11 h 06 min 24 s
